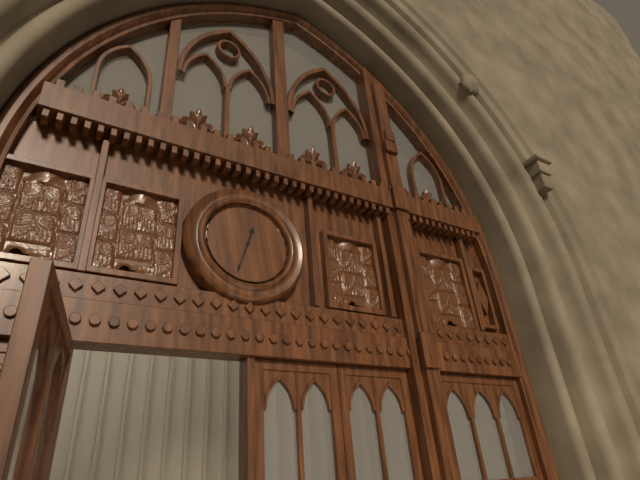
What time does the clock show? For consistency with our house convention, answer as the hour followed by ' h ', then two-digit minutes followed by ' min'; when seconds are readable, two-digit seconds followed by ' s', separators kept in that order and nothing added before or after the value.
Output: 12 h 33 min
